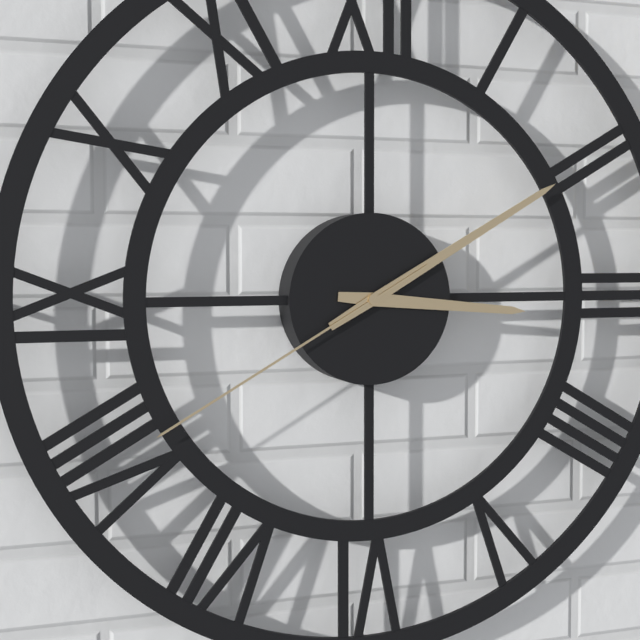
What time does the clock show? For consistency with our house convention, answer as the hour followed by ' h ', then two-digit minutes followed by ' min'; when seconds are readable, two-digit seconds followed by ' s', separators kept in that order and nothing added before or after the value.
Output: 3 h 10 min 40 s
